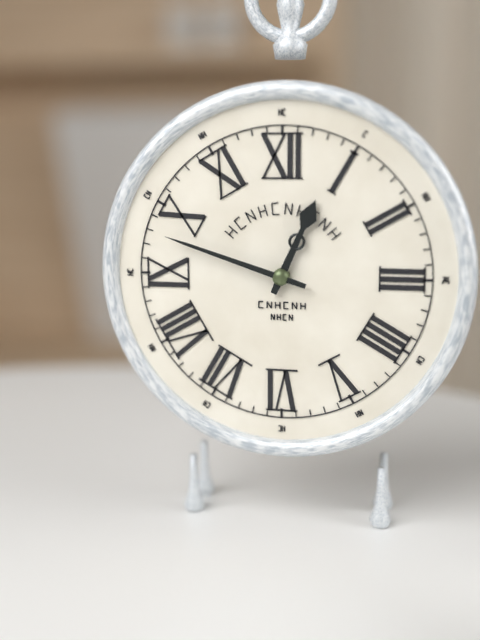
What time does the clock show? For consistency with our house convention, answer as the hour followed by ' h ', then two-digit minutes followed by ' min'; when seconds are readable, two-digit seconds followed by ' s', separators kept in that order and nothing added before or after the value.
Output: 12 h 48 min
